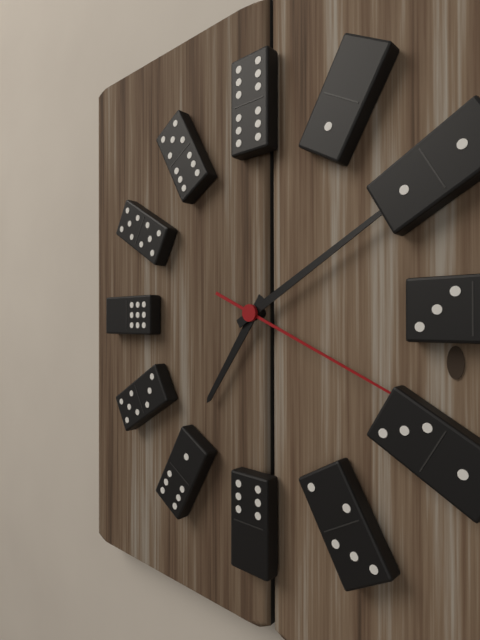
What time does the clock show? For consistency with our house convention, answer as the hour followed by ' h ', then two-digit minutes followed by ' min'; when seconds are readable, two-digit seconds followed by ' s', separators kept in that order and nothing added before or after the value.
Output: 7 h 10 min 19 s
